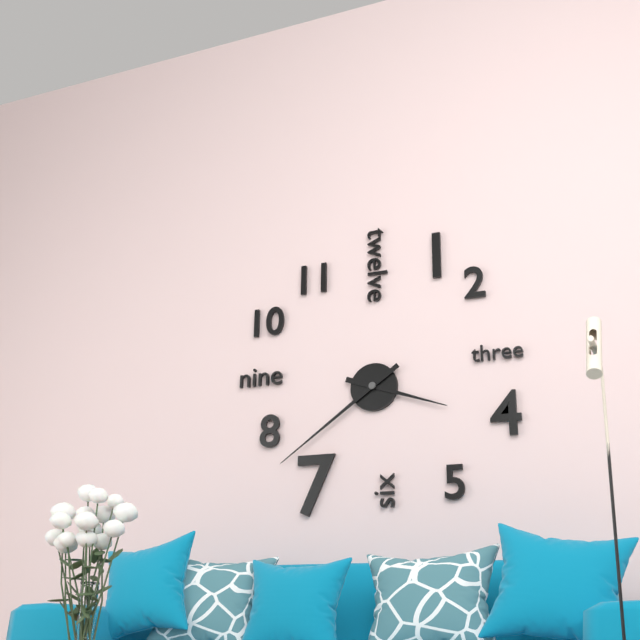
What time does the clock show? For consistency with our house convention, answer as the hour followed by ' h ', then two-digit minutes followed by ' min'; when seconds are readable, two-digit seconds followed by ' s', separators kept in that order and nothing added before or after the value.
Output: 3 h 39 min
